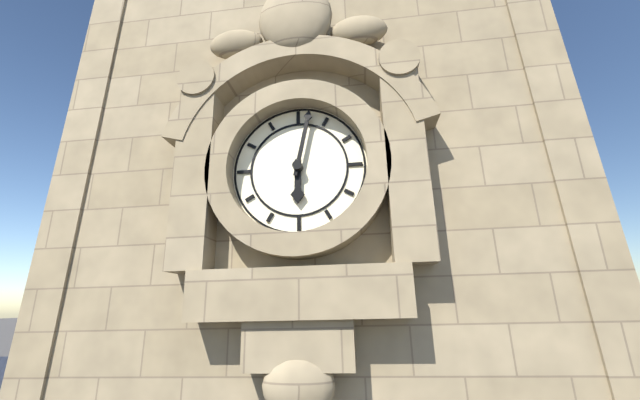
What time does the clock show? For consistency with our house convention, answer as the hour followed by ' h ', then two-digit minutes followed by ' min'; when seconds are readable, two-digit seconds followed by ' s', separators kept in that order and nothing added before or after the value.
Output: 6 h 02 min
